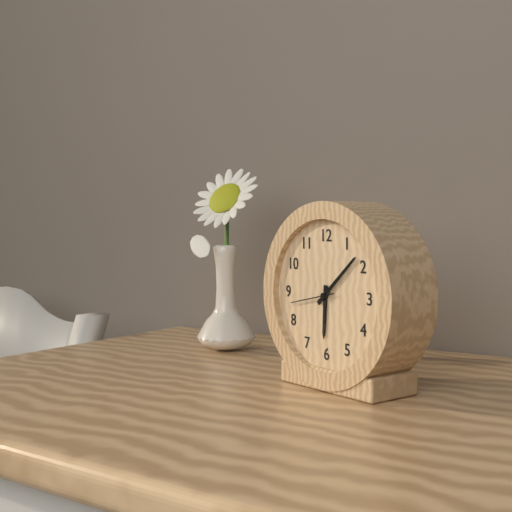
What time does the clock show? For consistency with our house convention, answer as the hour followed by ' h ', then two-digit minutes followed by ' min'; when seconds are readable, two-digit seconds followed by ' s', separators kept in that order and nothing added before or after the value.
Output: 6 h 08 min
